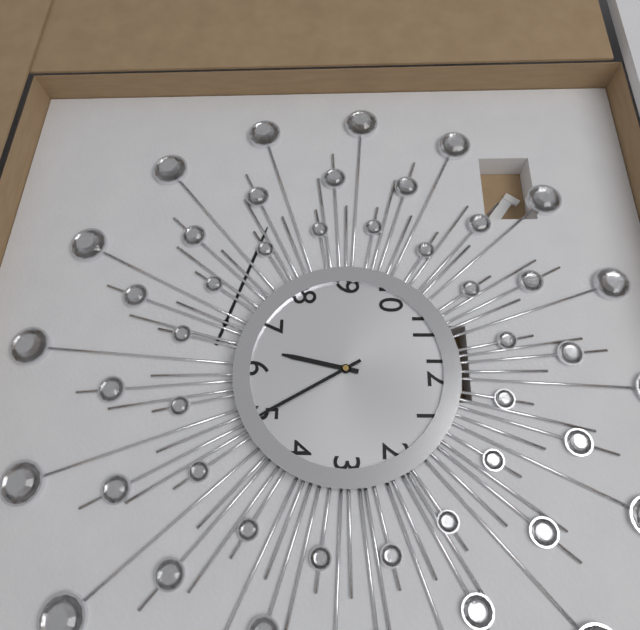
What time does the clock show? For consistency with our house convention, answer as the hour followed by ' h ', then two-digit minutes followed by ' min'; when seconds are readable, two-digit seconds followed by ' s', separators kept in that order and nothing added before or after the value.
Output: 6 h 25 min
